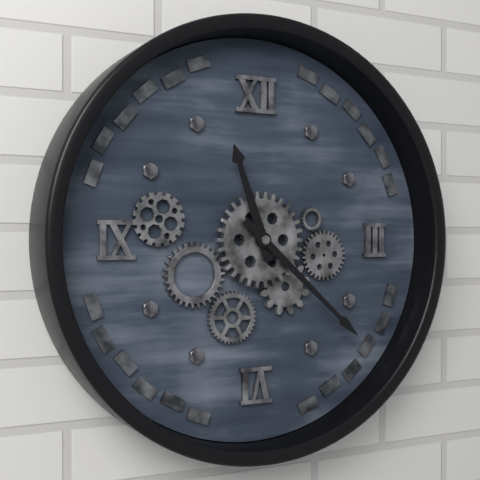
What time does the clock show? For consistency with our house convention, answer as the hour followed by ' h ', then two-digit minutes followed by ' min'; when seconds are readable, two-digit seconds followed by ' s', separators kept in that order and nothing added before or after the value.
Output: 11 h 22 min
